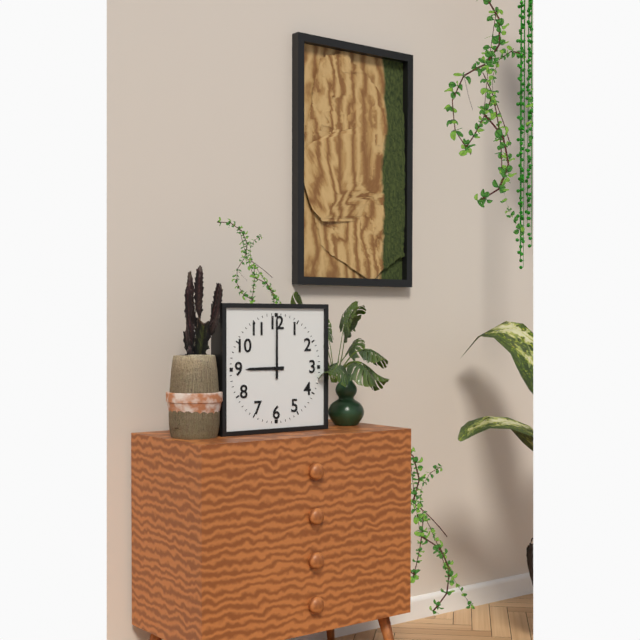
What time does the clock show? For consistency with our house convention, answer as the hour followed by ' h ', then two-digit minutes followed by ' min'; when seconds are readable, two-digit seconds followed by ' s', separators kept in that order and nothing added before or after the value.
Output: 9 h 00 min
